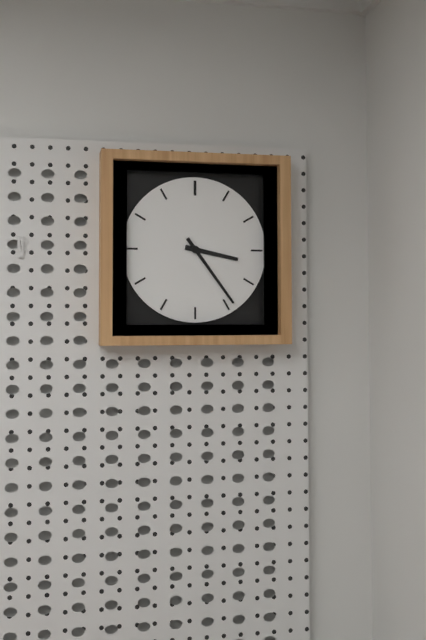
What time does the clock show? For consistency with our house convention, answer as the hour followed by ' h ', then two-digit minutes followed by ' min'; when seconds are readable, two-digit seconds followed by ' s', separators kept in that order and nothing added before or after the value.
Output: 3 h 24 min
